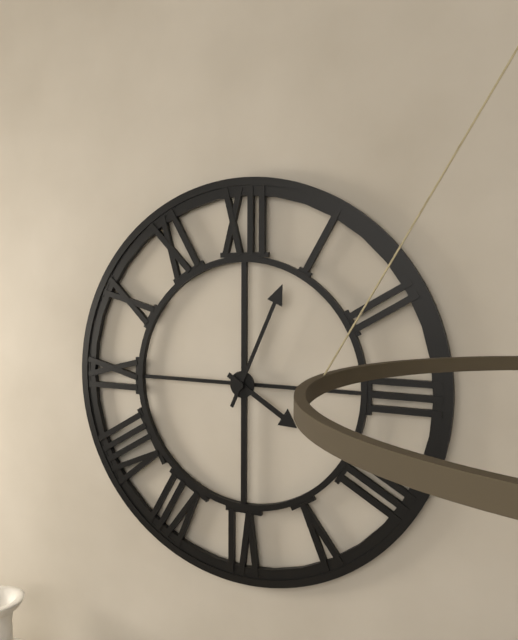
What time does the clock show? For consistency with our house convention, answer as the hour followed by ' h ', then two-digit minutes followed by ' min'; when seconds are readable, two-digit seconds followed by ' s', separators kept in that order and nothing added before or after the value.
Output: 4 h 04 min
